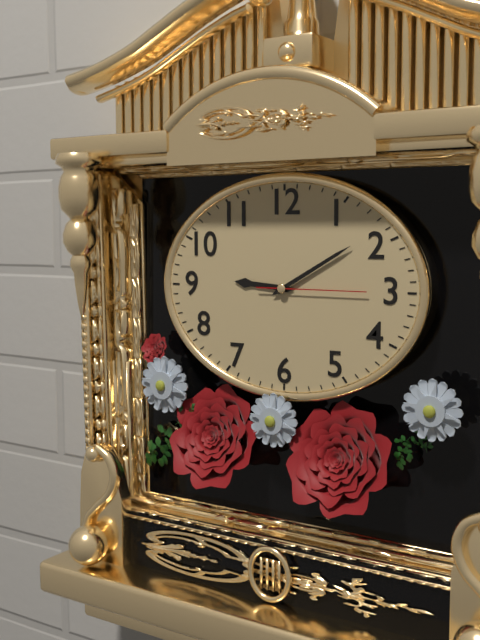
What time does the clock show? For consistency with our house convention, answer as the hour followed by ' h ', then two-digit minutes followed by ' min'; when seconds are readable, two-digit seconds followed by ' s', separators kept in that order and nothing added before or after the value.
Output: 9 h 10 min 15 s
